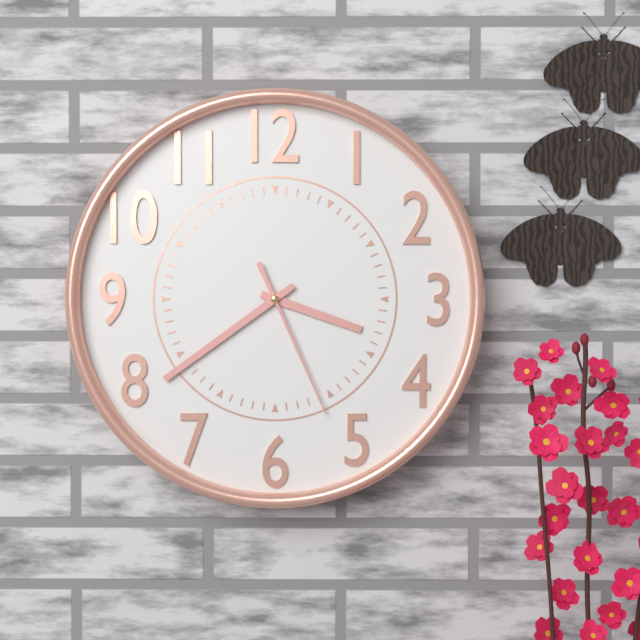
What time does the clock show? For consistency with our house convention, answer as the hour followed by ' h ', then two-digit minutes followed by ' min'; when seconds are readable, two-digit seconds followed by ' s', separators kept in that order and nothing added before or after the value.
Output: 3 h 39 min 26 s
